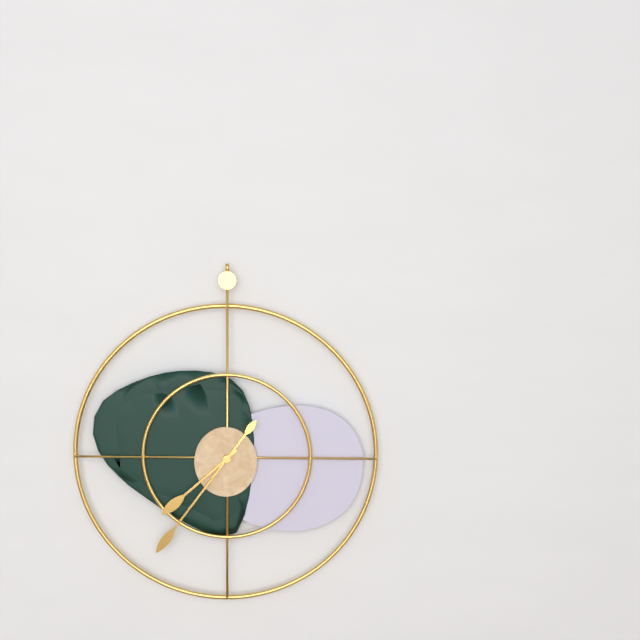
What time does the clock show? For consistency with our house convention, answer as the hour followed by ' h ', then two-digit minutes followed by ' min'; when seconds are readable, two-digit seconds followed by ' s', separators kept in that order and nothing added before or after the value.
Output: 7 h 36 min
